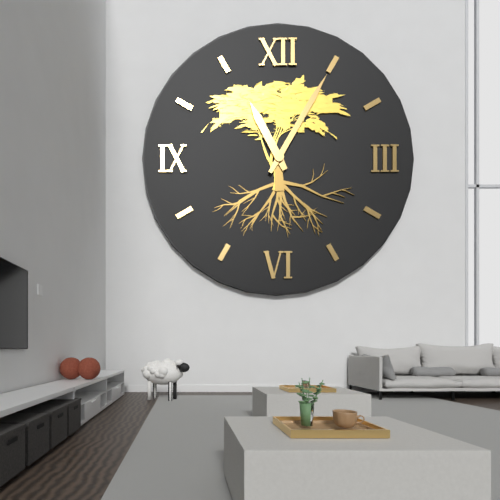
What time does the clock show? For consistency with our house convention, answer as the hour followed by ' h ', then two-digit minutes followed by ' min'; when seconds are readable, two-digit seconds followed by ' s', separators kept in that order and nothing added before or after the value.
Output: 11 h 05 min
